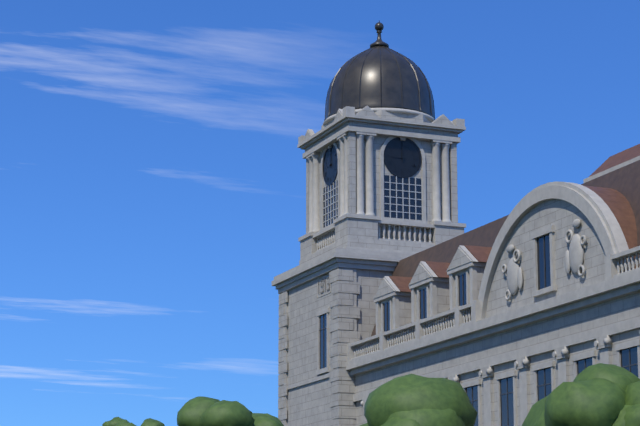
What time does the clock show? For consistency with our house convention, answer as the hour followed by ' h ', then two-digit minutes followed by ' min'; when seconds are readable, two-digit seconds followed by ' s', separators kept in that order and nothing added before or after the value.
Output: 9 h 00 min
